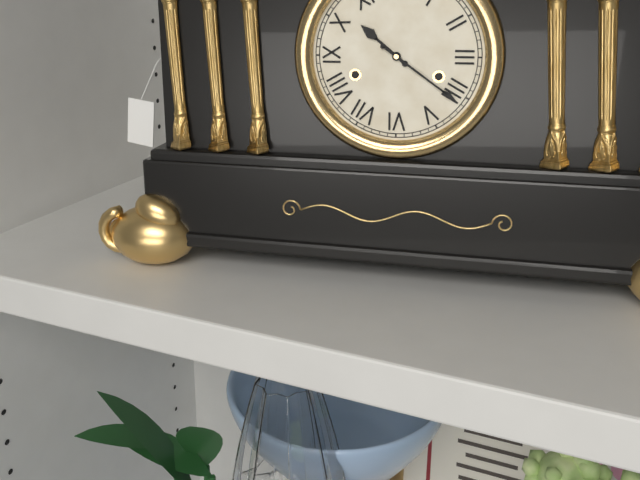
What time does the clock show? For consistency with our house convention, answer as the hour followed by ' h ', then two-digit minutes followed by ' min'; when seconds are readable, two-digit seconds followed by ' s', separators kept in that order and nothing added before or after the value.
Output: 10 h 21 min
